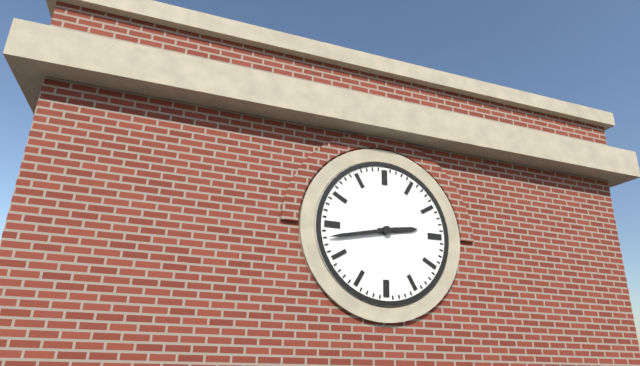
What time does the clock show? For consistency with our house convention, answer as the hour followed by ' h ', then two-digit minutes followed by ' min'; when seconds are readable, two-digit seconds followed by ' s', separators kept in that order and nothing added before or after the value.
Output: 2 h 43 min
